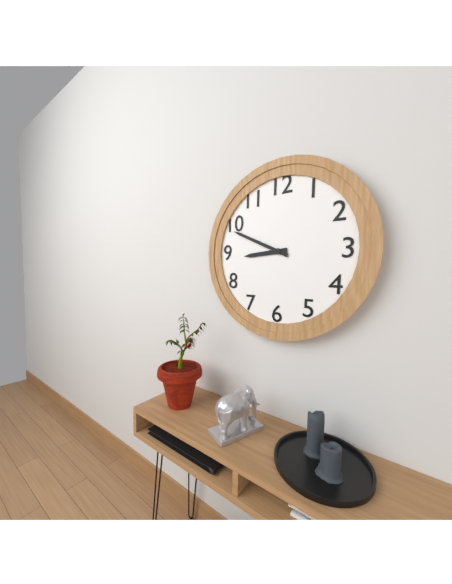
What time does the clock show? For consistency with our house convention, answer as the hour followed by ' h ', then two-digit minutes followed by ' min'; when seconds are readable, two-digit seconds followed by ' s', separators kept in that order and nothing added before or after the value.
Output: 8 h 49 min
